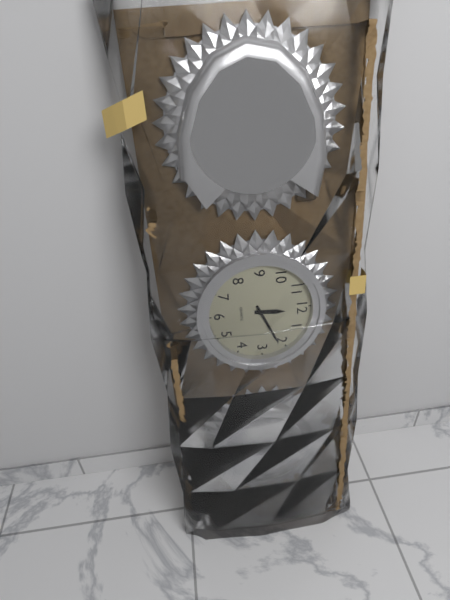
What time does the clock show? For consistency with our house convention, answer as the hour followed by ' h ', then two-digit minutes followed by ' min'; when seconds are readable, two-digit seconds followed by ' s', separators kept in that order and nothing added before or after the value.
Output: 12 h 11 min
